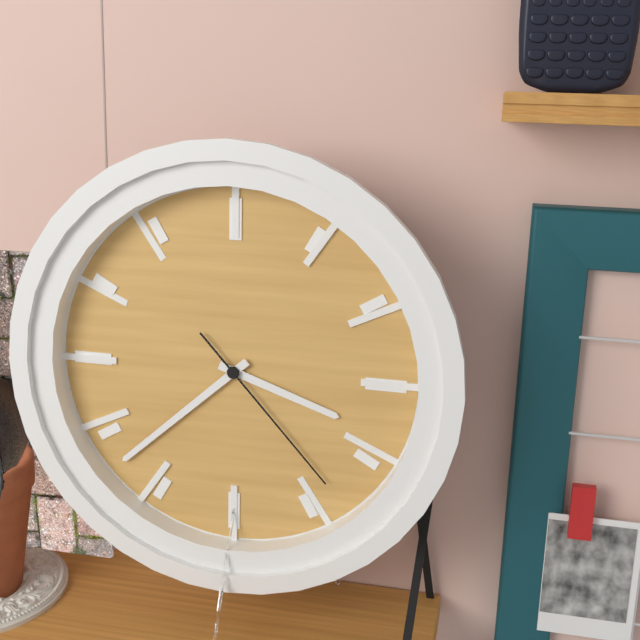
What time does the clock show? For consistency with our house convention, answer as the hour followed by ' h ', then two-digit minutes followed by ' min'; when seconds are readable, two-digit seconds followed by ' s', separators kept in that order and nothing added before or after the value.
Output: 3 h 38 min 23 s
